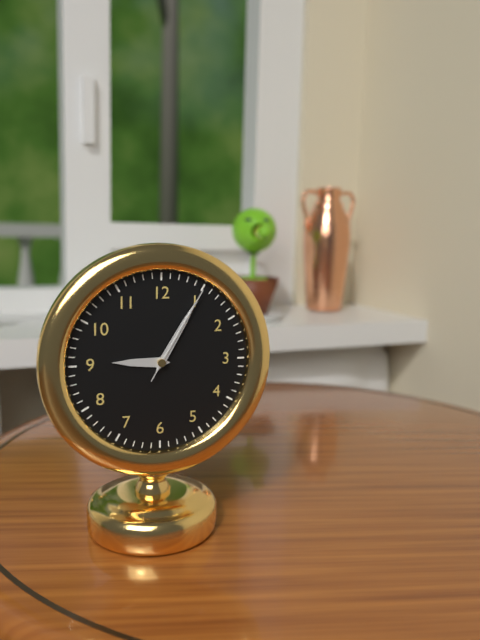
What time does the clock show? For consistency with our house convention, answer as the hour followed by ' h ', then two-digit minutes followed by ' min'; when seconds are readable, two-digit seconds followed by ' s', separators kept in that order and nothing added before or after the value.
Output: 9 h 05 min 05 s
